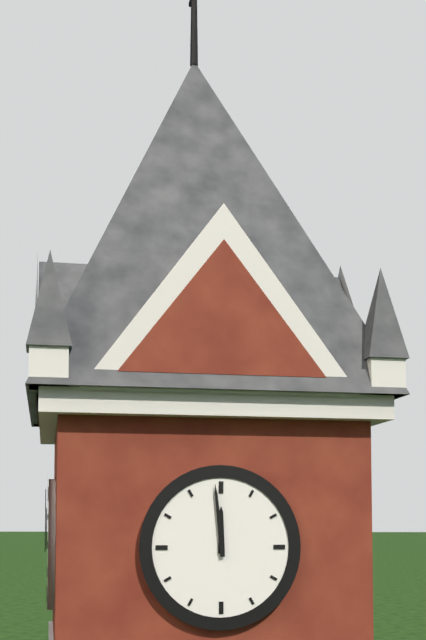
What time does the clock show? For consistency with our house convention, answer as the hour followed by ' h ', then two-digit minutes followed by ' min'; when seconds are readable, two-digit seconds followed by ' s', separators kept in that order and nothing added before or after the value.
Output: 11 h 59 min
